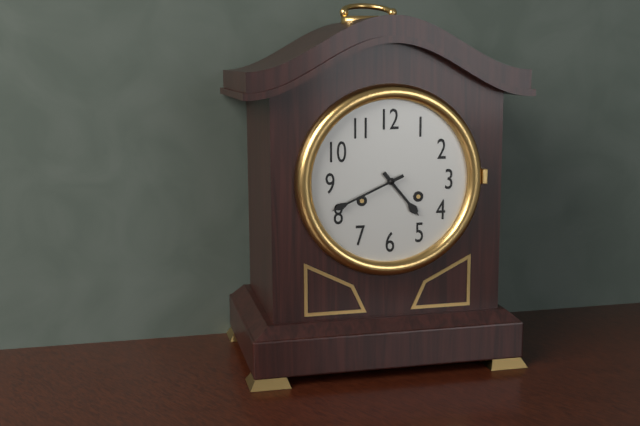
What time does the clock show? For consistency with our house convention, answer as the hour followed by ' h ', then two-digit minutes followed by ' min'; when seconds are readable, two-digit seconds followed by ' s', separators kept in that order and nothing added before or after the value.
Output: 4 h 41 min
